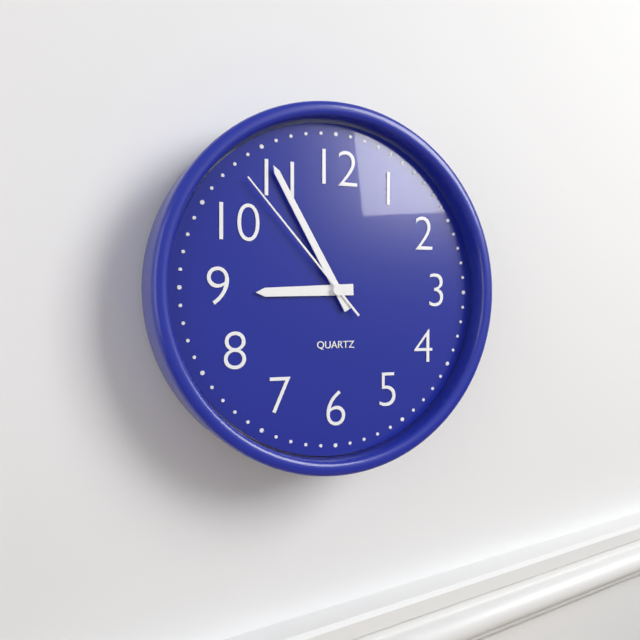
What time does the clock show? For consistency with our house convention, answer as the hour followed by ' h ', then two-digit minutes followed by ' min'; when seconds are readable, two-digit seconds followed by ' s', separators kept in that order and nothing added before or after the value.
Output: 8 h 55 min 53 s
